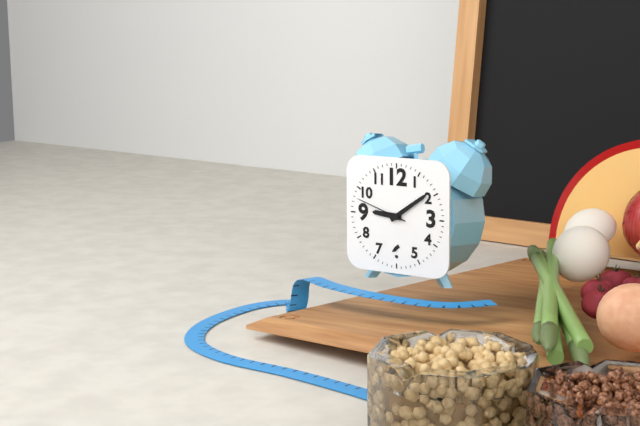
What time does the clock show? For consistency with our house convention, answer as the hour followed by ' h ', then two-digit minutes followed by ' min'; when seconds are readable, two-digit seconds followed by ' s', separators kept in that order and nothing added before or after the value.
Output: 9 h 09 min 48 s
